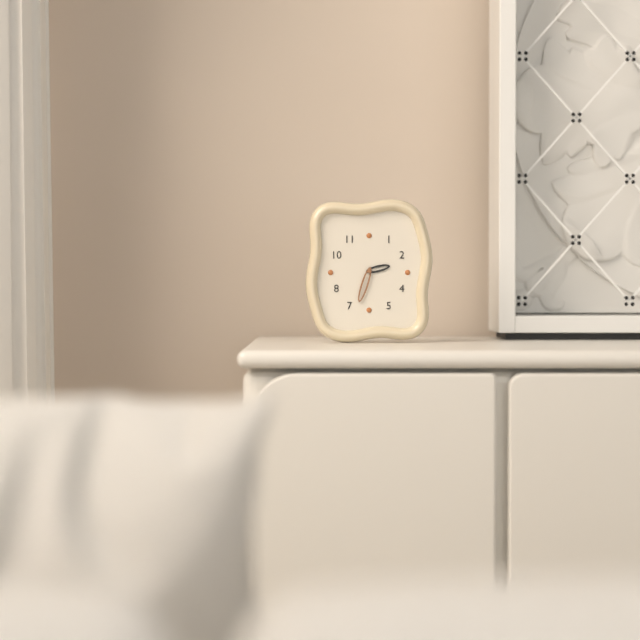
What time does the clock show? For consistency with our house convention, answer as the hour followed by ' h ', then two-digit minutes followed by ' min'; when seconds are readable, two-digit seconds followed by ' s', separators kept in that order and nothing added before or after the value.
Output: 2 h 33 min
